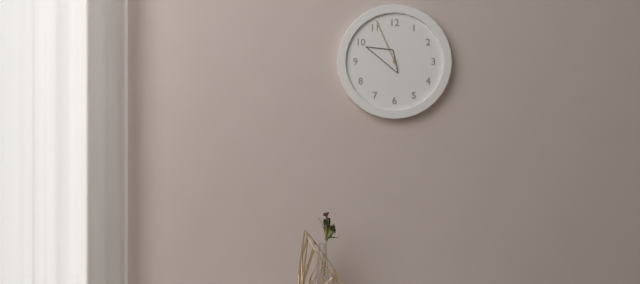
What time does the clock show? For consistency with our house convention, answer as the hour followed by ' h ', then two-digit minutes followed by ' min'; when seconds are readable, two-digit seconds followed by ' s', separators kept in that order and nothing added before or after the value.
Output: 9 h 56 min
